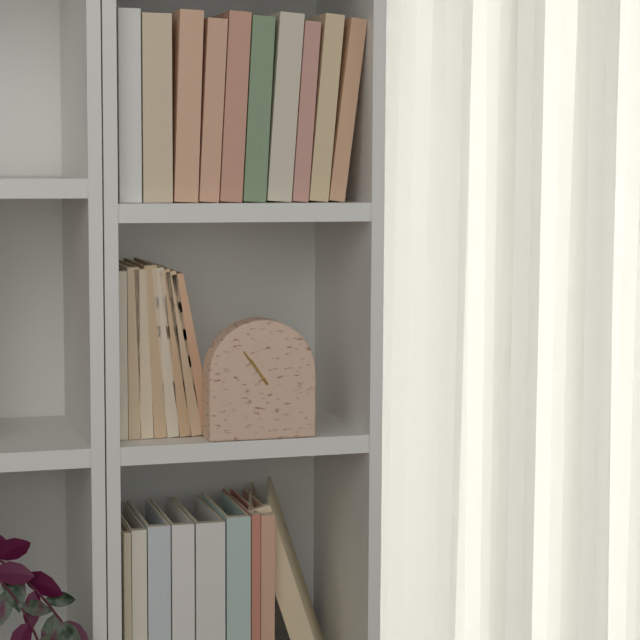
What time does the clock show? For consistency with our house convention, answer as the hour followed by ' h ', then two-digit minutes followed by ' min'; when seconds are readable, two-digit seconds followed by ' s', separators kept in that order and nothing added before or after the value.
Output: 10 h 54 min
